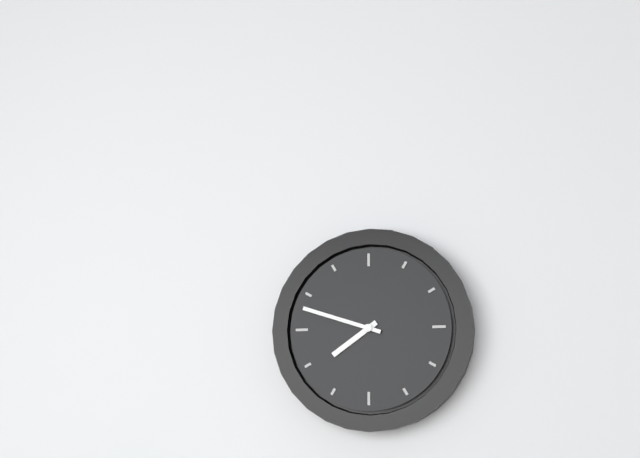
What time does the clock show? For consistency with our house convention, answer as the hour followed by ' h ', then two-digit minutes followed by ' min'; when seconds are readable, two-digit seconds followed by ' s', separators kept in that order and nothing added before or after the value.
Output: 7 h 48 min
